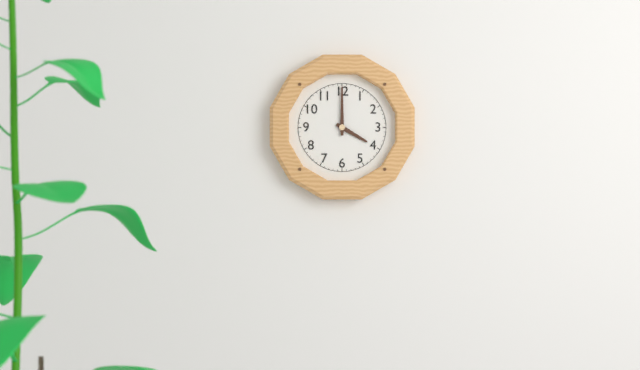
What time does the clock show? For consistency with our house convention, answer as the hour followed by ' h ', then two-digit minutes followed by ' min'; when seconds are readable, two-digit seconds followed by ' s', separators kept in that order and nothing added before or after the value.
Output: 4 h 00 min
